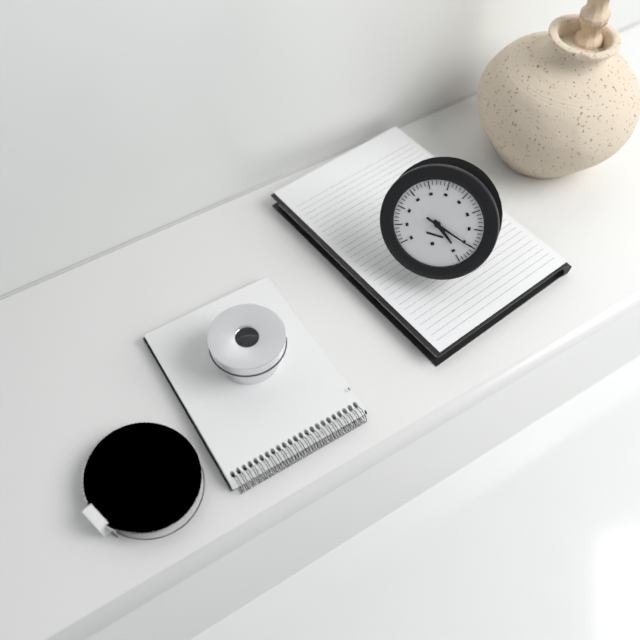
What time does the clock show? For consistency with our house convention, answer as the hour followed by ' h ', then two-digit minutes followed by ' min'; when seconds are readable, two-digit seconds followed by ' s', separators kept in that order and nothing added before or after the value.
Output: 4 h 18 min
